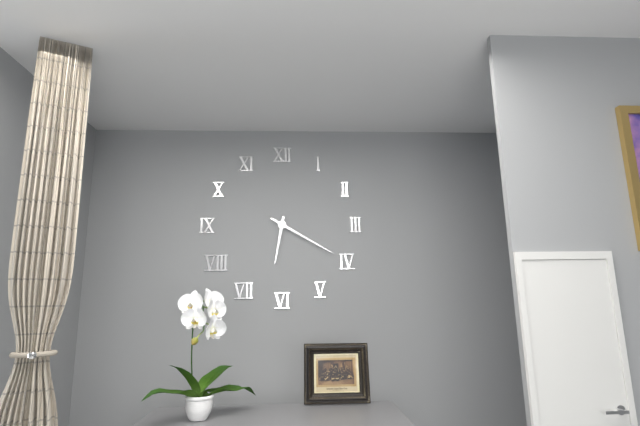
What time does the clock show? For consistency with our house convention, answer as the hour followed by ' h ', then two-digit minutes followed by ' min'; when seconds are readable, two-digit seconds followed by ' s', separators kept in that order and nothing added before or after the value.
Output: 6 h 20 min
